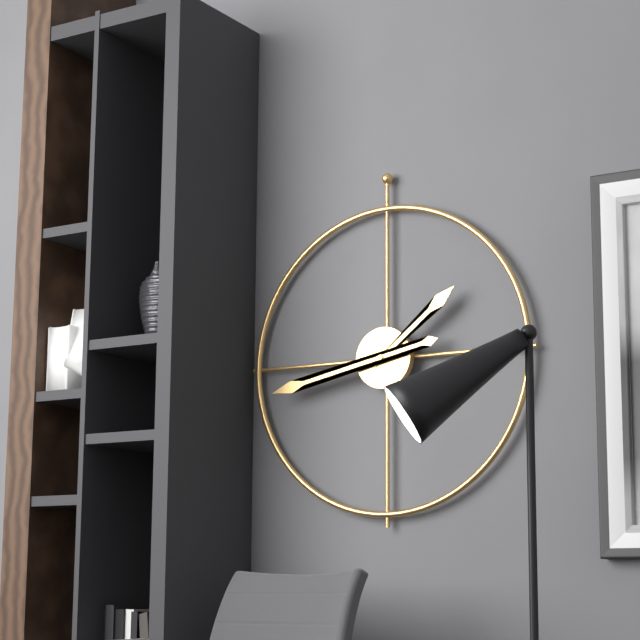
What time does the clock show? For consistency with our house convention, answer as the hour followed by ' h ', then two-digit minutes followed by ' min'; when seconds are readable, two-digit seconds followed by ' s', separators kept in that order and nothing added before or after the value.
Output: 1 h 43 min
